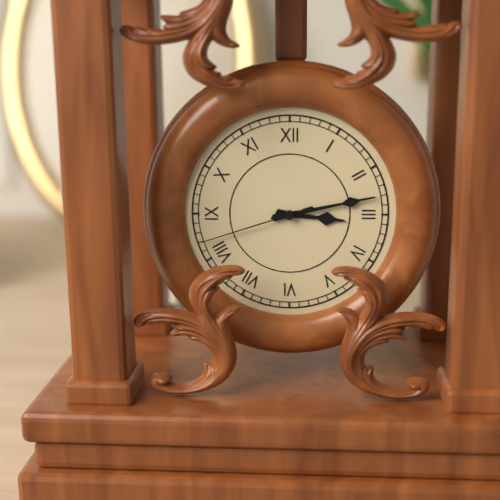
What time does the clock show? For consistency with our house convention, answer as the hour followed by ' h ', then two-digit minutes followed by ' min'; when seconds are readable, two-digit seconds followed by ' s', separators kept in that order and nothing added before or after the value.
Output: 3 h 13 min 42 s
